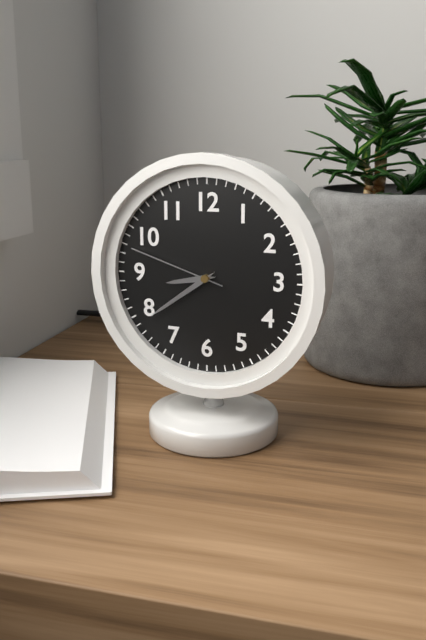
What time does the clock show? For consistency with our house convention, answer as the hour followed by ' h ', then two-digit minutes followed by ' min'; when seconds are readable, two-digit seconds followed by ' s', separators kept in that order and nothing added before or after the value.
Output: 8 h 39 min 48 s
